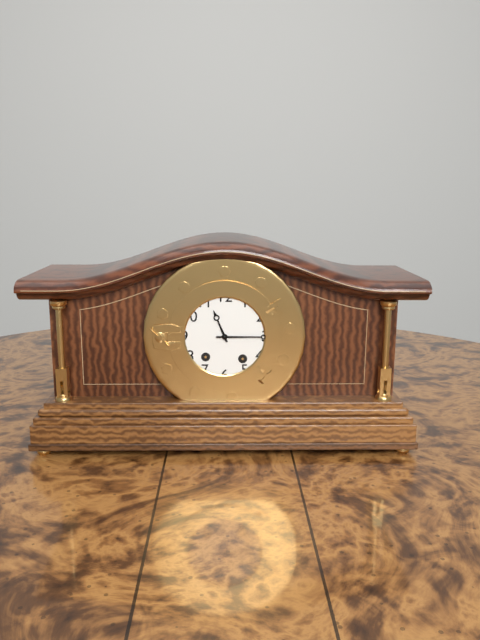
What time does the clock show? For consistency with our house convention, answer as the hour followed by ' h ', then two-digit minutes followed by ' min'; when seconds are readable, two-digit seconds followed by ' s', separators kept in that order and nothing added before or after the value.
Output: 11 h 15 min
